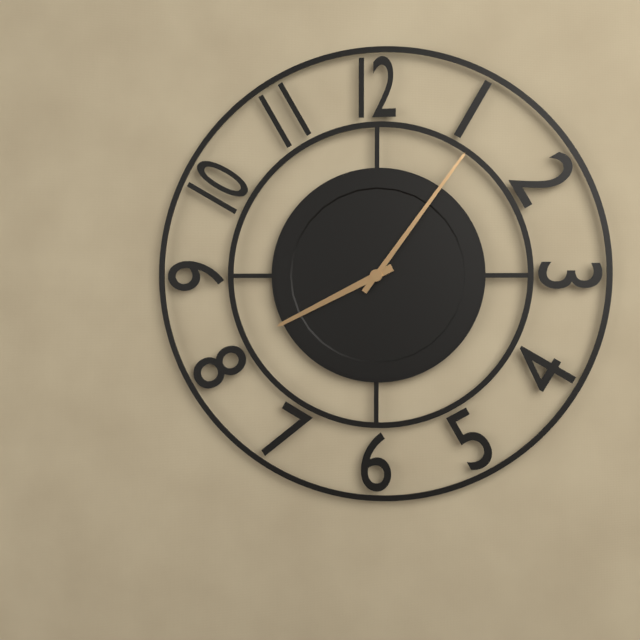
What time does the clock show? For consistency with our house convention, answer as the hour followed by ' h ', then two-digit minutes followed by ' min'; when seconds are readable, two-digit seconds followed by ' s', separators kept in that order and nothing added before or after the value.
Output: 8 h 06 min
